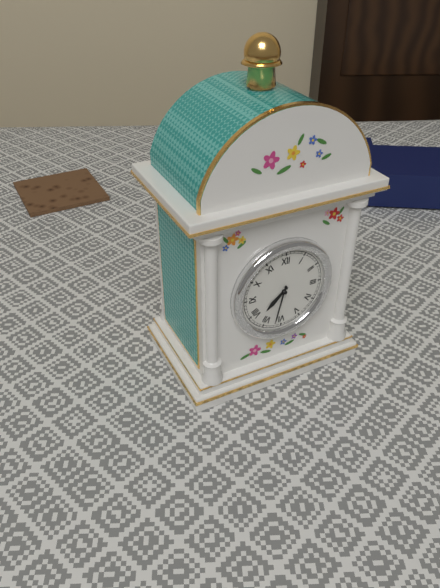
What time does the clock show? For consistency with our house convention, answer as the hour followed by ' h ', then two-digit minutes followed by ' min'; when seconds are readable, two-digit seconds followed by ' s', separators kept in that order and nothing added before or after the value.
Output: 7 h 32 min
